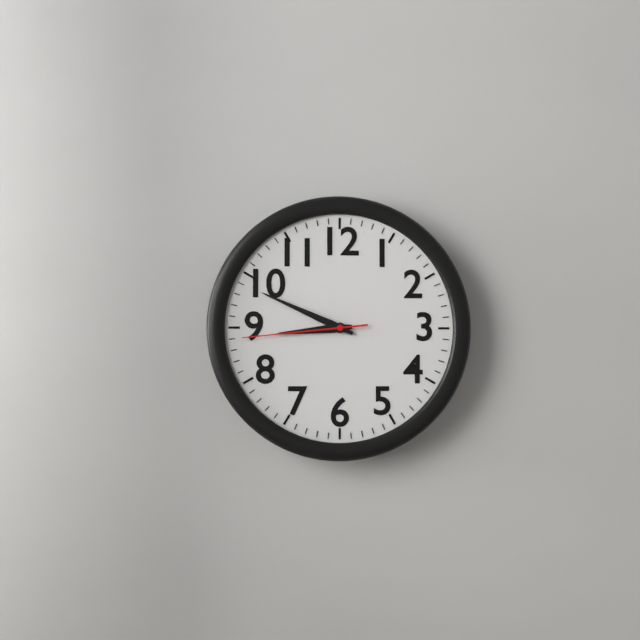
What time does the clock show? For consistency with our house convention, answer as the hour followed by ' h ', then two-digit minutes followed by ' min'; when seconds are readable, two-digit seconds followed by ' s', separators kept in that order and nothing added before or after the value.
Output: 8 h 49 min 44 s
